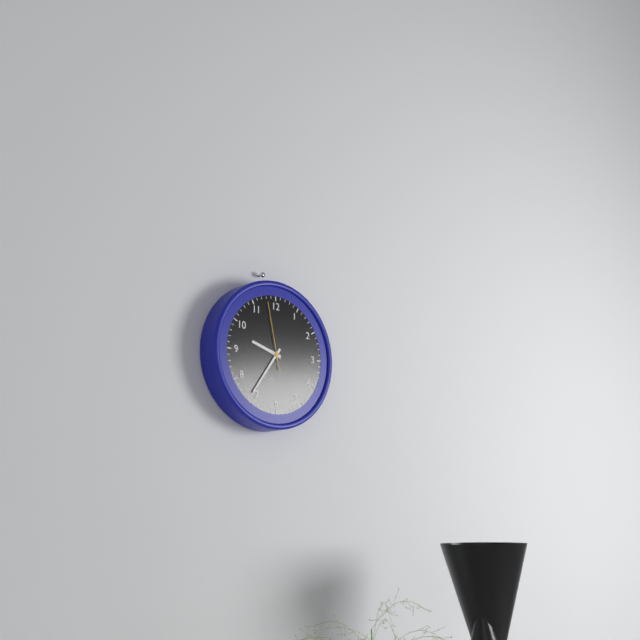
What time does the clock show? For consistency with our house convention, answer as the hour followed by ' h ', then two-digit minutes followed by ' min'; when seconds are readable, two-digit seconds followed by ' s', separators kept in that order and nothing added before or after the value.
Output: 9 h 36 min 58 s
